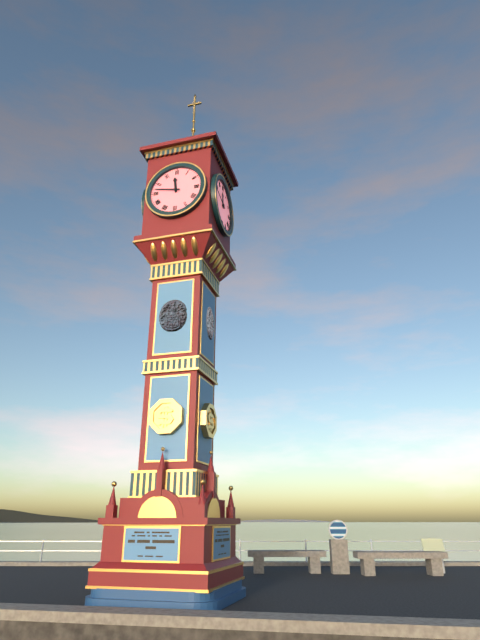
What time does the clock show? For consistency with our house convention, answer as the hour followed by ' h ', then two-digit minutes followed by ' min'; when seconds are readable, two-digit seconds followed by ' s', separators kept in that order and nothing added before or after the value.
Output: 11 h 47 min
